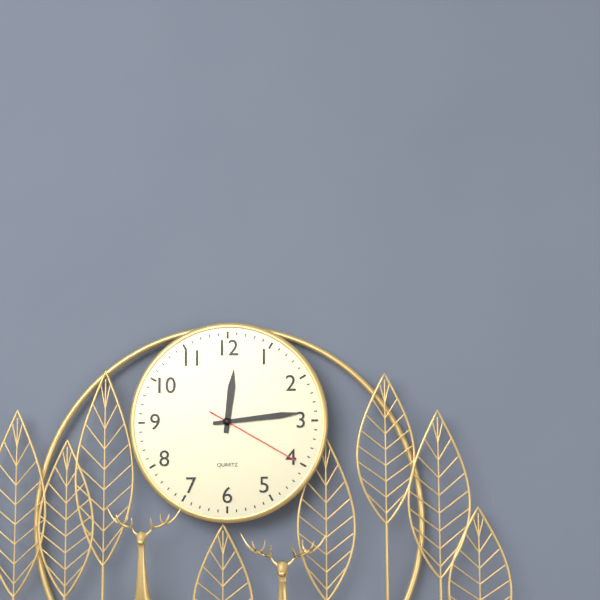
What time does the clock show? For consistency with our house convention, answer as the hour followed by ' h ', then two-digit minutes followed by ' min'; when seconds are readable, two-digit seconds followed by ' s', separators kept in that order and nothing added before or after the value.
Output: 12 h 14 min 20 s
